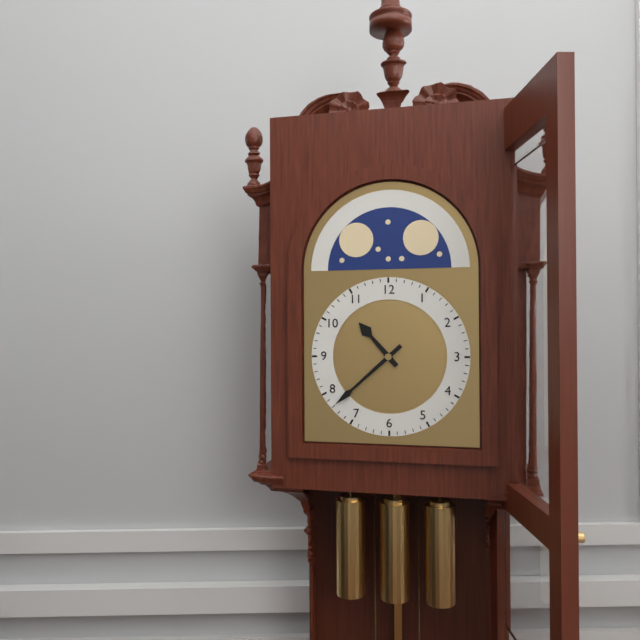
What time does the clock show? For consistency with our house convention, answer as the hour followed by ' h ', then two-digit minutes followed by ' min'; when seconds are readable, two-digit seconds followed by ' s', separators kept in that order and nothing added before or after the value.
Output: 10 h 38 min
